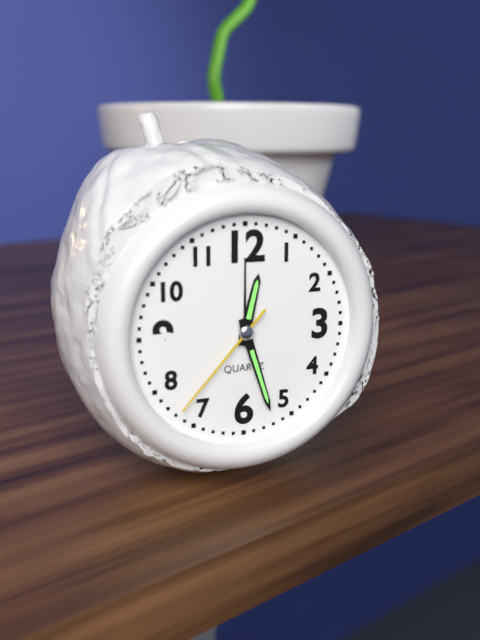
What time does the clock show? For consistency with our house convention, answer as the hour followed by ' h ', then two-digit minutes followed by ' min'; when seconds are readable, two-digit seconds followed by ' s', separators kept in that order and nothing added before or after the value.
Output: 12 h 27 min 37 s
